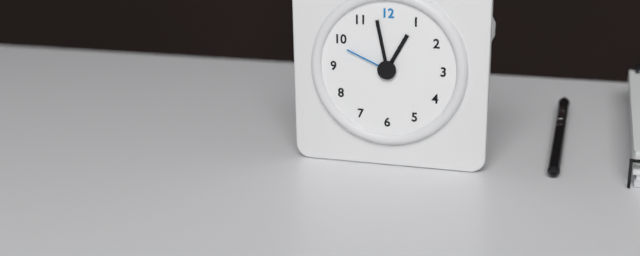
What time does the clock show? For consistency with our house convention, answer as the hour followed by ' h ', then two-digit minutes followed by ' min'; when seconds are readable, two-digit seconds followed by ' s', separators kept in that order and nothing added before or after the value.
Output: 12 h 58 min 49 s
